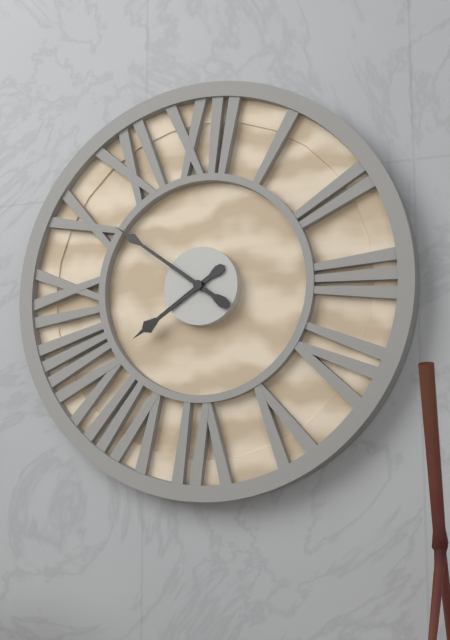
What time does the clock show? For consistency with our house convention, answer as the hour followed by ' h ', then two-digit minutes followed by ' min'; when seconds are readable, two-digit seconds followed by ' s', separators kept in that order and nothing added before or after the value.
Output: 7 h 51 min
